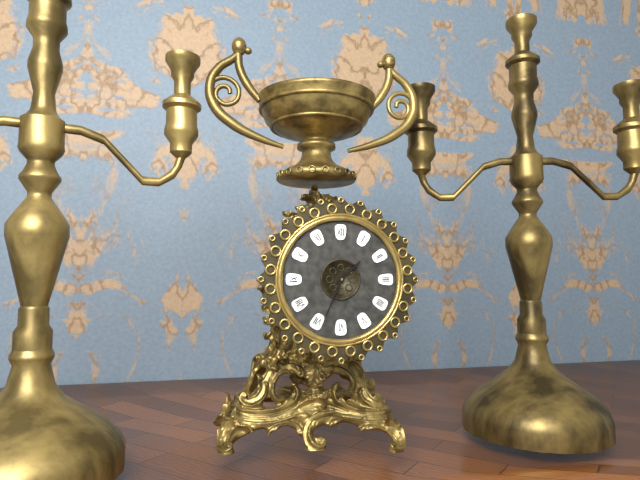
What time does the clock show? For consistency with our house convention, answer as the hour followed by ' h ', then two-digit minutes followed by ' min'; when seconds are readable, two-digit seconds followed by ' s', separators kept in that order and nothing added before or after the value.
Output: 1 h 34 min
